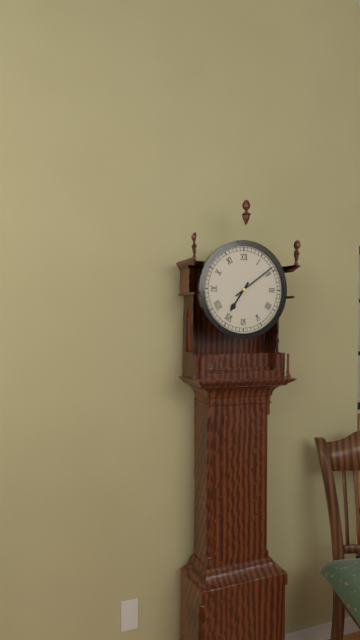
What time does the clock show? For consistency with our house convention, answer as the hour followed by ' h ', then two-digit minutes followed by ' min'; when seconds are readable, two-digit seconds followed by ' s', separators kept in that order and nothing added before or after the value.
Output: 7 h 09 min
